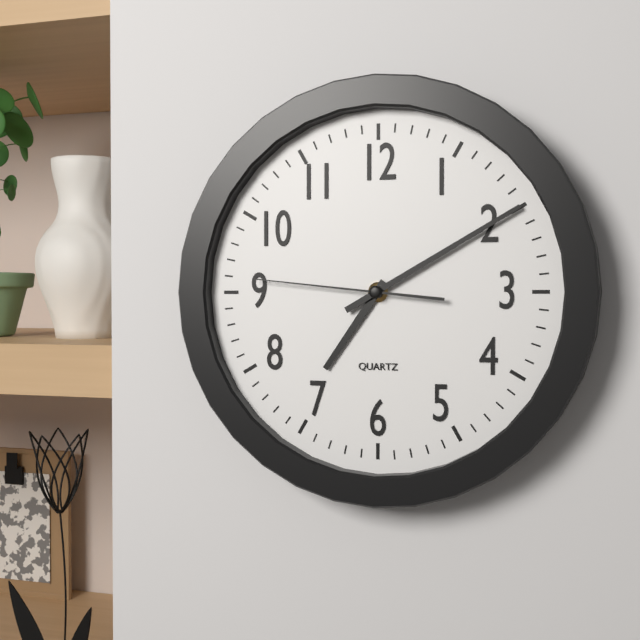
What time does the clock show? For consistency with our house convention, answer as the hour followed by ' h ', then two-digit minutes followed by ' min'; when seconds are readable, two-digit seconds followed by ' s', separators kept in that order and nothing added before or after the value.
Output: 7 h 10 min 46 s
